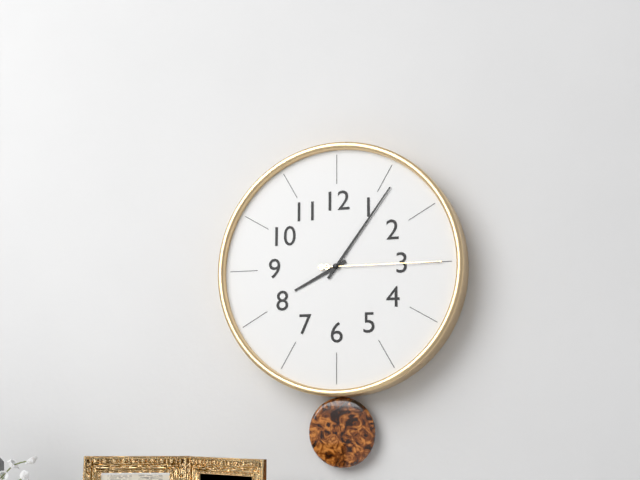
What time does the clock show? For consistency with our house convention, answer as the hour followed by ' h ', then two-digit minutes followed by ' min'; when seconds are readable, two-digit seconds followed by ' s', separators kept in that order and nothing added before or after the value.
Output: 8 h 06 min 15 s
